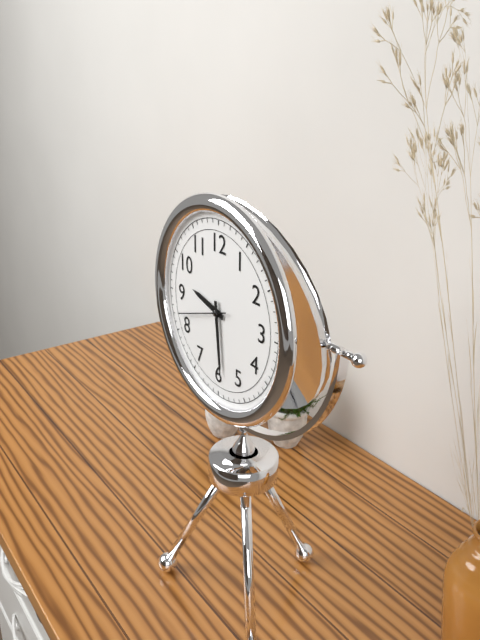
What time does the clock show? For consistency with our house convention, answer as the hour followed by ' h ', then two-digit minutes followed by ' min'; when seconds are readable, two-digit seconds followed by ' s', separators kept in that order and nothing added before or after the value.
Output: 9 h 29 min
